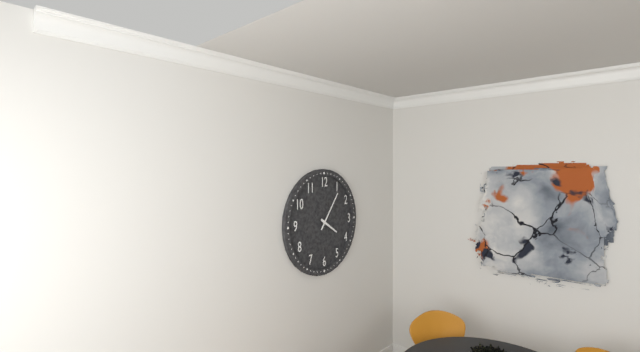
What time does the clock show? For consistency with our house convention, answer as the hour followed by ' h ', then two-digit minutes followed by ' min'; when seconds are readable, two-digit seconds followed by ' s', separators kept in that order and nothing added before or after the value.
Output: 4 h 06 min
